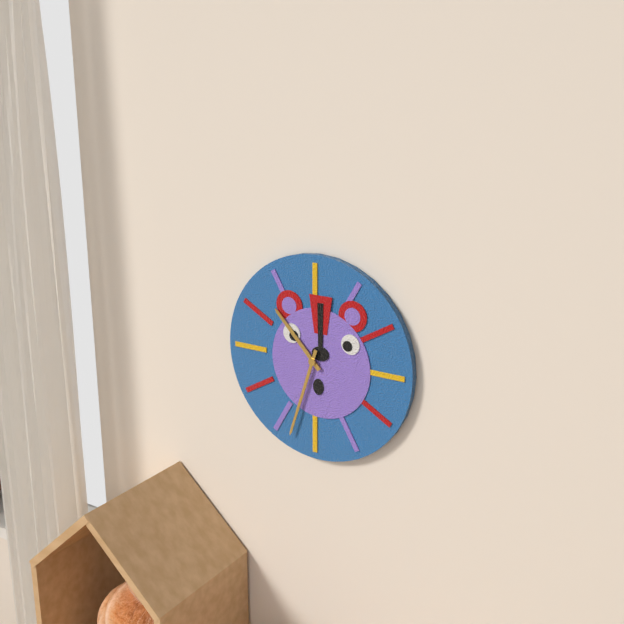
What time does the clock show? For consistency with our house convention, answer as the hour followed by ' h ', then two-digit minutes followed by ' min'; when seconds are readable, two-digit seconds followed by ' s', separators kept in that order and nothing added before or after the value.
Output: 10 h 33 min
